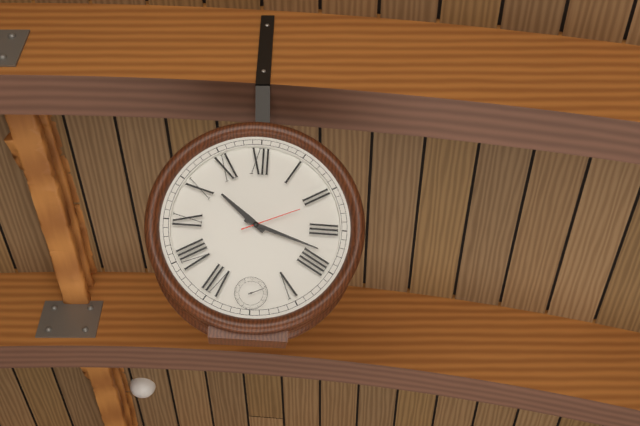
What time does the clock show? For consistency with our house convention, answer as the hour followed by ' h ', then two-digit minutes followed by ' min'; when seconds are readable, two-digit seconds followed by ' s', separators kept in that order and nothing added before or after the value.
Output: 10 h 18 min 11 s
